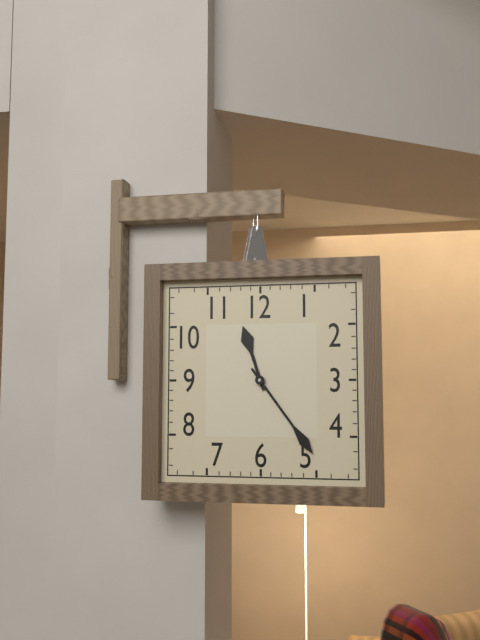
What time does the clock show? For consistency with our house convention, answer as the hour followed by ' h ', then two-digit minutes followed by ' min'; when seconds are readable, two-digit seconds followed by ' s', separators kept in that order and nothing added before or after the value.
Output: 11 h 24 min
